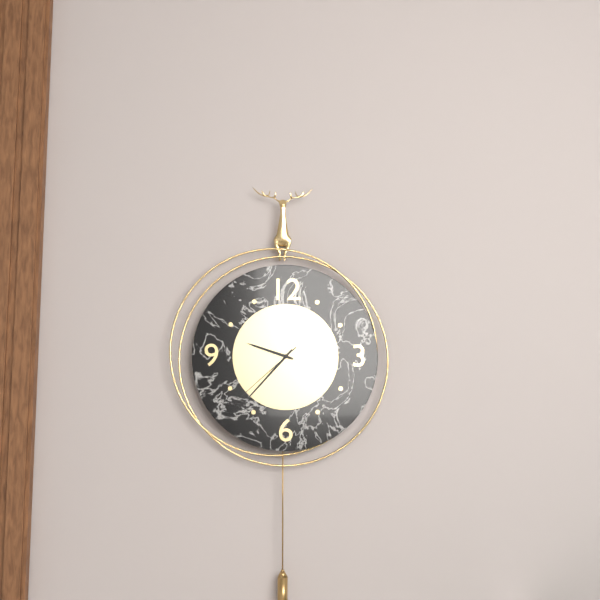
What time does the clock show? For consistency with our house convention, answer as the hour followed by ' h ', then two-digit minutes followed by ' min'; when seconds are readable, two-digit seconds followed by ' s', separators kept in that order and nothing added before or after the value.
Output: 9 h 37 min 38 s
